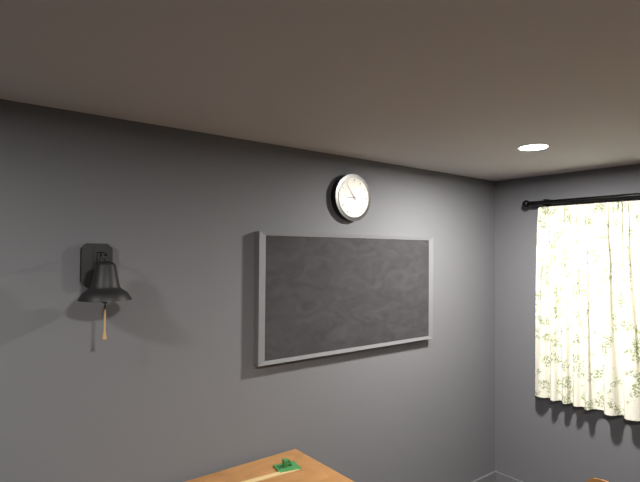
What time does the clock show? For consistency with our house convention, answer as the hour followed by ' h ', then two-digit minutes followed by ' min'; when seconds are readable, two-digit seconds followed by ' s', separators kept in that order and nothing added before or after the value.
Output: 8 h 54 min
